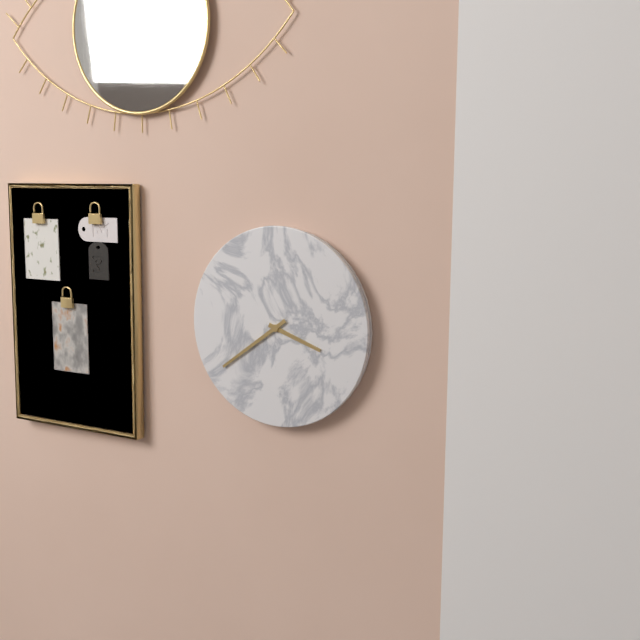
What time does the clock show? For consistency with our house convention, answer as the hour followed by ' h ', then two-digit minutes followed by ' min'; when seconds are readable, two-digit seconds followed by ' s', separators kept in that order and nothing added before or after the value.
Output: 3 h 39 min
